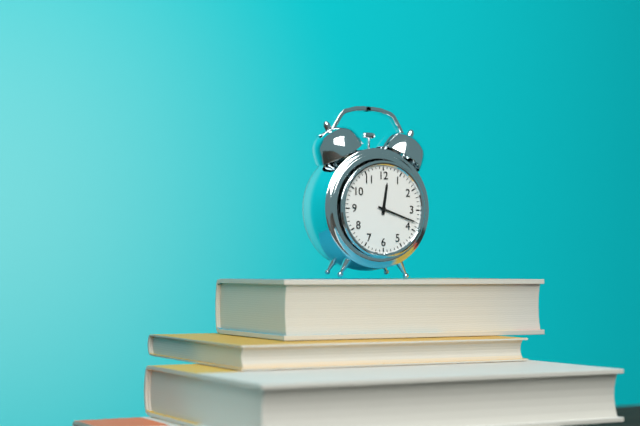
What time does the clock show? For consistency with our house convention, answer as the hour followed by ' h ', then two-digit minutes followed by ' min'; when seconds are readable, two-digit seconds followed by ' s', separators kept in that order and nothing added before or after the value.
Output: 12 h 18 min
